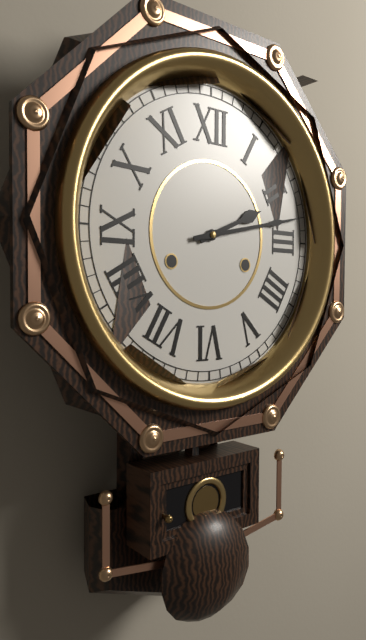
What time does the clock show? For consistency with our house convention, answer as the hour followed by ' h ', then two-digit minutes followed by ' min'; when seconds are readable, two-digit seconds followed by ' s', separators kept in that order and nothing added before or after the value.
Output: 2 h 13 min
